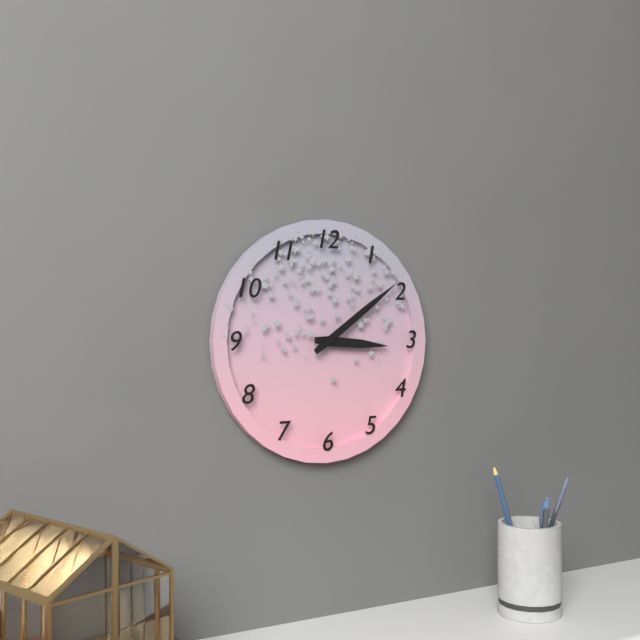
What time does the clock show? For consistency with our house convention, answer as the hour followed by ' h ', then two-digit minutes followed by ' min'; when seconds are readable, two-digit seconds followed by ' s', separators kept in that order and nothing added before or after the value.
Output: 3 h 09 min
